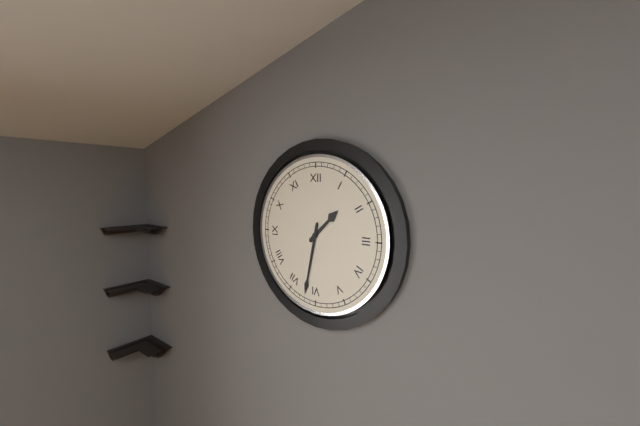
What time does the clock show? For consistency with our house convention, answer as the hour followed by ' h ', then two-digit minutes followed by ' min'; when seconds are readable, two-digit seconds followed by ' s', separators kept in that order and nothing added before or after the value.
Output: 1 h 32 min
